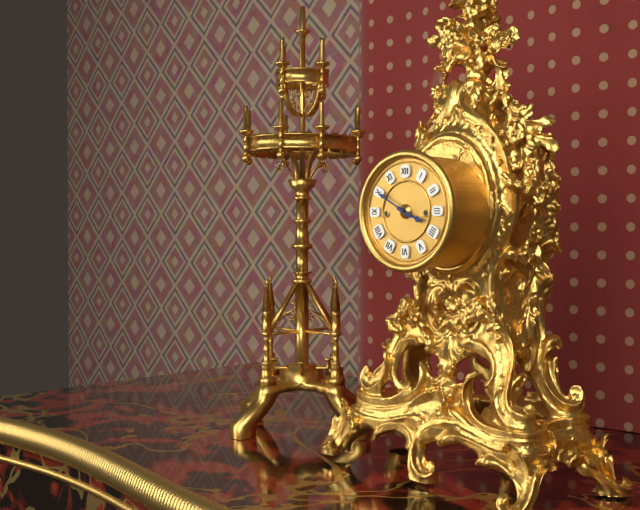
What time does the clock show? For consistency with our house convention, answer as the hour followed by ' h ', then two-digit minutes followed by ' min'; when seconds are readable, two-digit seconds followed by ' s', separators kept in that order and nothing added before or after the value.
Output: 3 h 50 min
